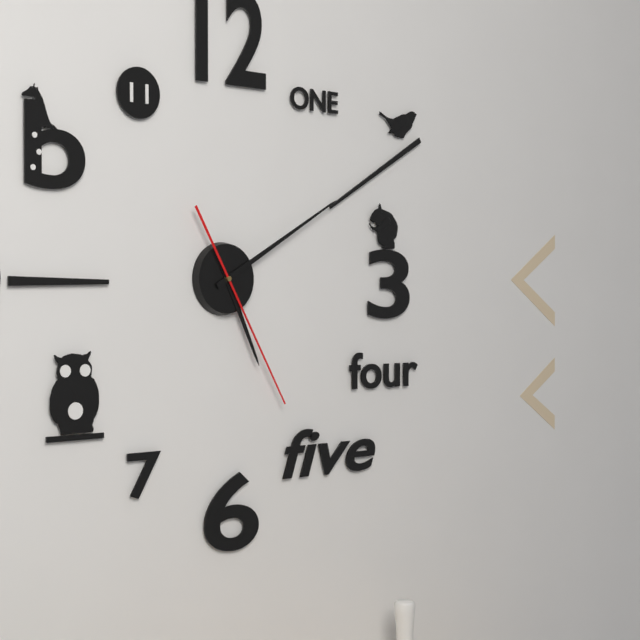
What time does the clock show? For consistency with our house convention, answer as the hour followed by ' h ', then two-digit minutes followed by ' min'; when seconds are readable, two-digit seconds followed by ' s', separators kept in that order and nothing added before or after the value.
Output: 5 h 10 min 25 s
